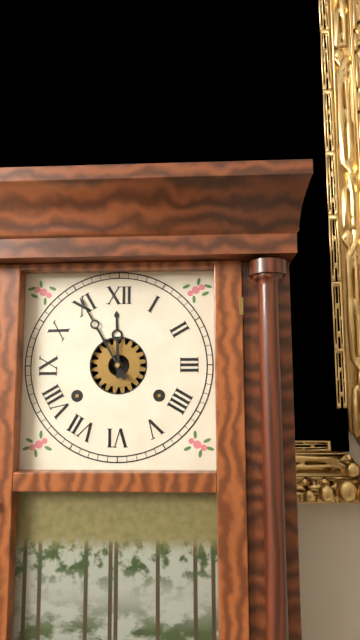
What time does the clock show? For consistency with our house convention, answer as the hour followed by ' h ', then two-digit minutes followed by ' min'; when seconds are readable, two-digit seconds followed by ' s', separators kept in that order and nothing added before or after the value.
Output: 11 h 55 min
